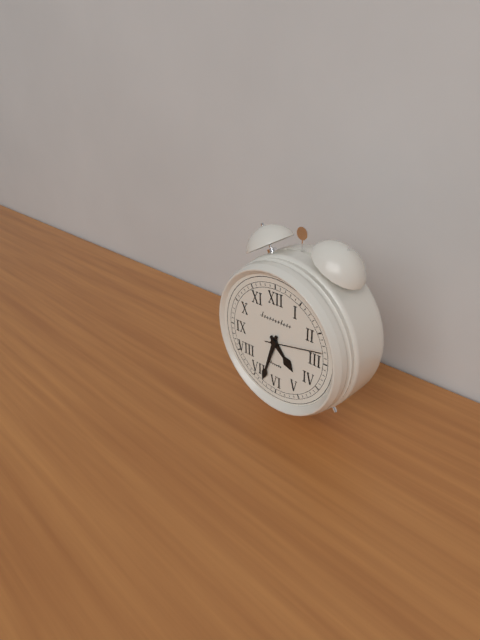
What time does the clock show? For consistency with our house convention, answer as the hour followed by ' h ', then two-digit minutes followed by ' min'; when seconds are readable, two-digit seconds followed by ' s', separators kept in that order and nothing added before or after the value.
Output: 4 h 33 min 13 s
